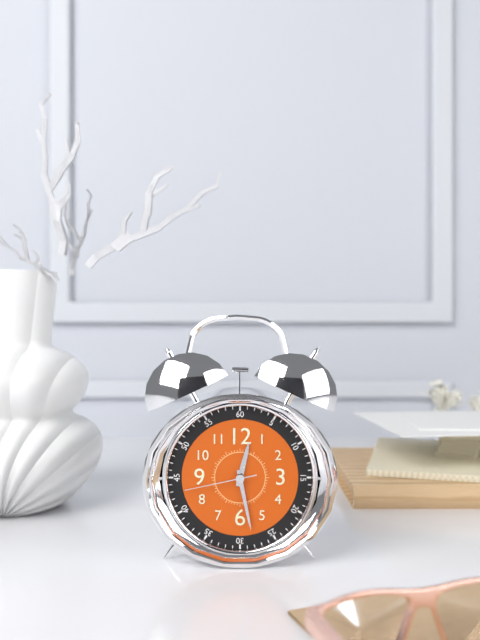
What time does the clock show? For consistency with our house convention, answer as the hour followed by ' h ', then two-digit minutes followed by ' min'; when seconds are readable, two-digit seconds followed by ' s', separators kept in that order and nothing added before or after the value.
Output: 12 h 28 min 43 s
